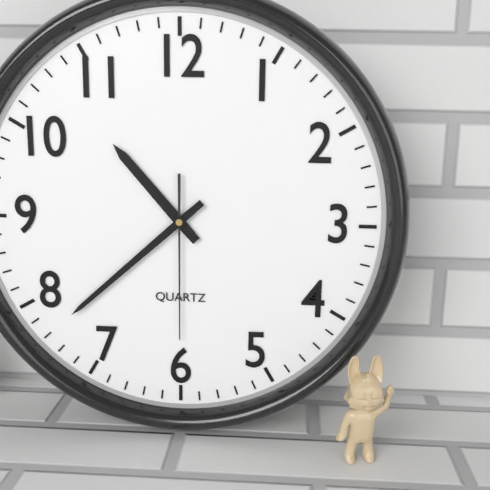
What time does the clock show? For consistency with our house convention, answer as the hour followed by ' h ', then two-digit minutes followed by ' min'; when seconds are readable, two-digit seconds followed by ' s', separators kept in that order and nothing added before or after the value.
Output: 10 h 38 min 30 s
